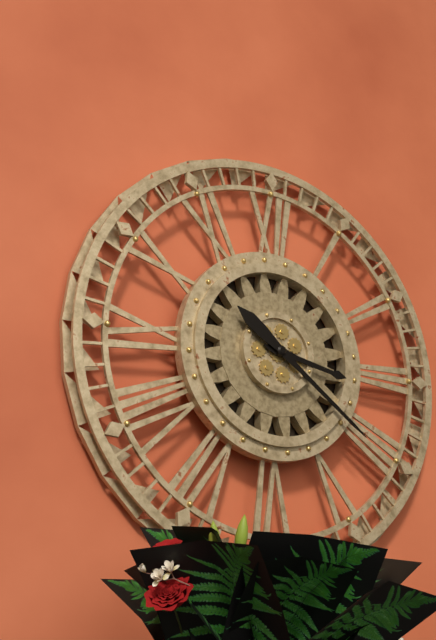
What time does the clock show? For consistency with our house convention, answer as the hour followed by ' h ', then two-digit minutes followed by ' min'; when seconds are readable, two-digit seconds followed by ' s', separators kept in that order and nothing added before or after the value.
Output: 3 h 21 min
